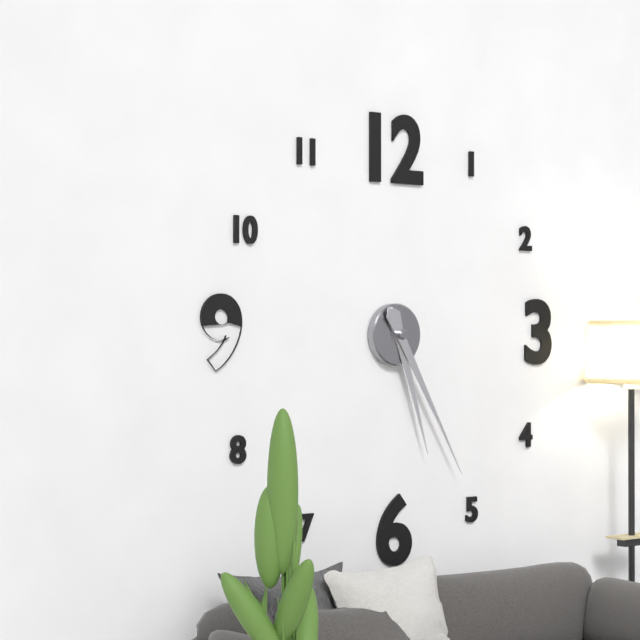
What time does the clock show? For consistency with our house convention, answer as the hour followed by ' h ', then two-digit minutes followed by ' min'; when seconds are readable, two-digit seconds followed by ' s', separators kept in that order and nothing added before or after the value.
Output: 5 h 25 min
